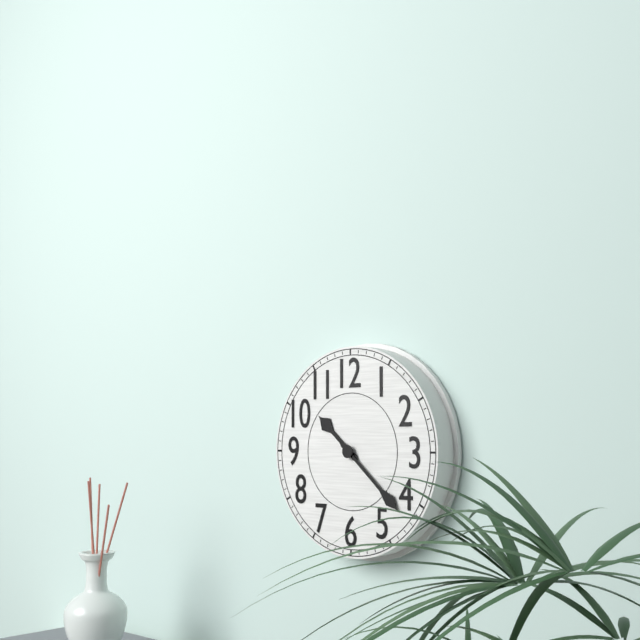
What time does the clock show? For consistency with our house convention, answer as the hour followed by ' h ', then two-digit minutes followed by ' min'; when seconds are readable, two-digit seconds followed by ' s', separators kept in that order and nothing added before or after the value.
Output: 10 h 22 min
